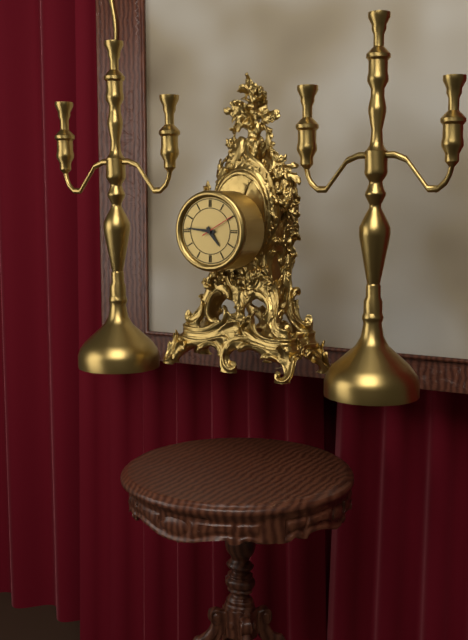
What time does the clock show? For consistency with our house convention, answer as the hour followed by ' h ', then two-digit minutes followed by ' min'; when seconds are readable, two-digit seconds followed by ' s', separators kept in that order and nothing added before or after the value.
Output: 4 h 46 min
